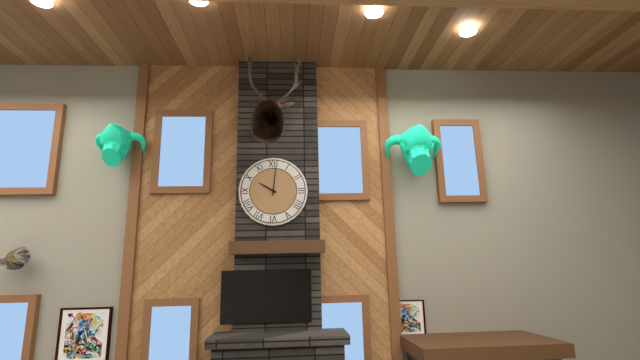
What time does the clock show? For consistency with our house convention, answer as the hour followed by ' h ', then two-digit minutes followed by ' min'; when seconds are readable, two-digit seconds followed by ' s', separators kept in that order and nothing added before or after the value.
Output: 10 h 01 min
